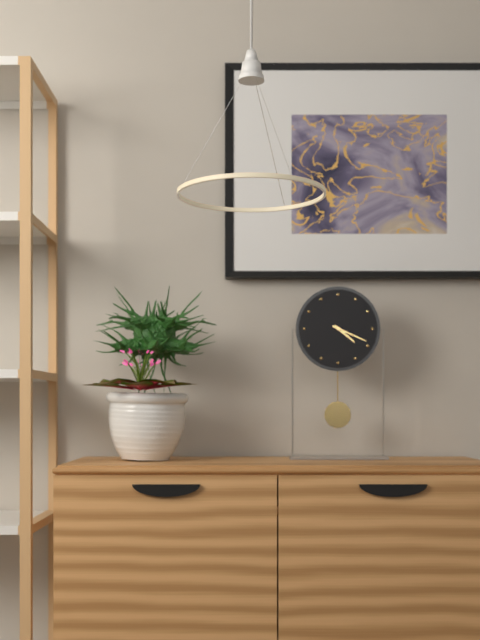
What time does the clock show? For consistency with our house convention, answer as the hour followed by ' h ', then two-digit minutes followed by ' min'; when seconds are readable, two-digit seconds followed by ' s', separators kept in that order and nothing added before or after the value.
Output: 4 h 19 min
